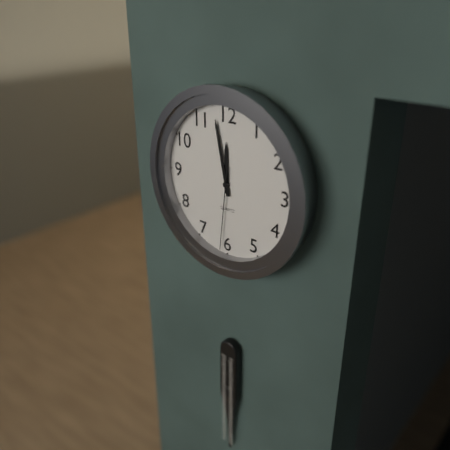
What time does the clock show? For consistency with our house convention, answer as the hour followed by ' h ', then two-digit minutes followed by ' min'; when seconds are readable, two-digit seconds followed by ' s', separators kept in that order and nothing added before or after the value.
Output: 11 h 58 min 31 s
